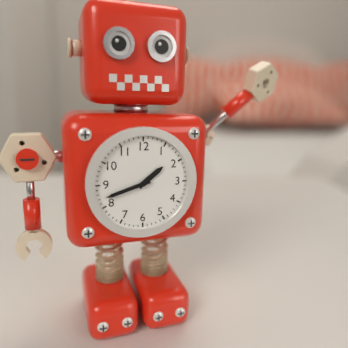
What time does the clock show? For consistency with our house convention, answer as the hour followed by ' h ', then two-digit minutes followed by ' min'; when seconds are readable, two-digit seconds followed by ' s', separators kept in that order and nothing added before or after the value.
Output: 1 h 42 min
